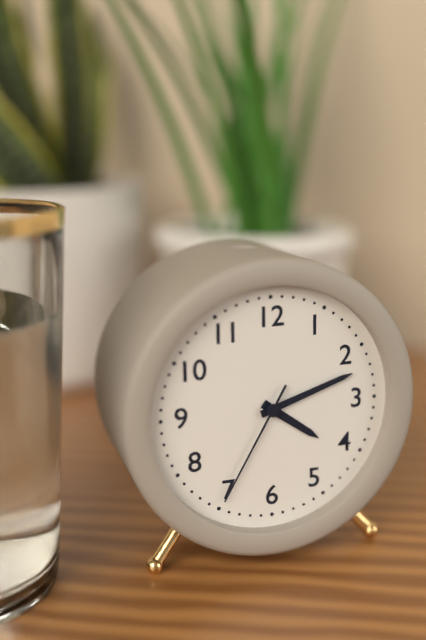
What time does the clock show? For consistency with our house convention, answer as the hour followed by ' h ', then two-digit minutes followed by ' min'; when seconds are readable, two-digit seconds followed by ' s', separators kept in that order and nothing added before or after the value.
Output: 4 h 12 min 35 s
